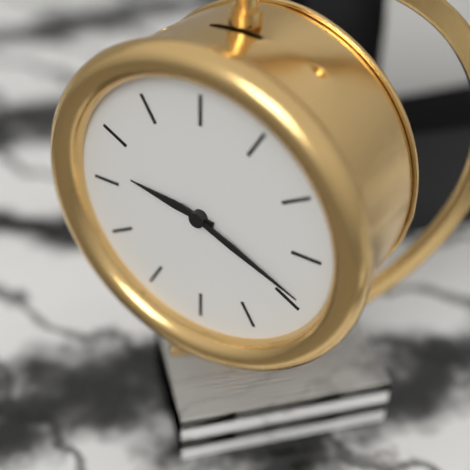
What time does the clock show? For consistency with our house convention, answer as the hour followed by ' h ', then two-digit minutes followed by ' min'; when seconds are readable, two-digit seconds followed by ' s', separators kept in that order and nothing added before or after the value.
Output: 9 h 19 min
